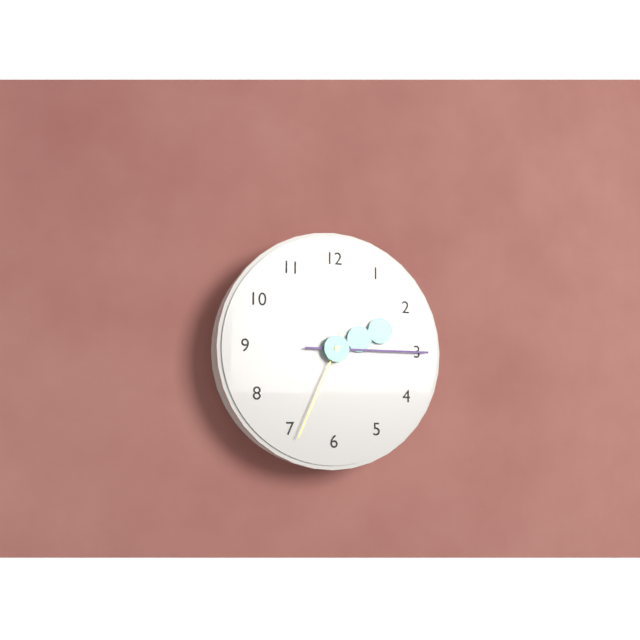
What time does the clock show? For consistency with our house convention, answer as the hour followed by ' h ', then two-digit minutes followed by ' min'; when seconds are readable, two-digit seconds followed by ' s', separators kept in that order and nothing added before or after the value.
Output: 2 h 15 min 34 s
